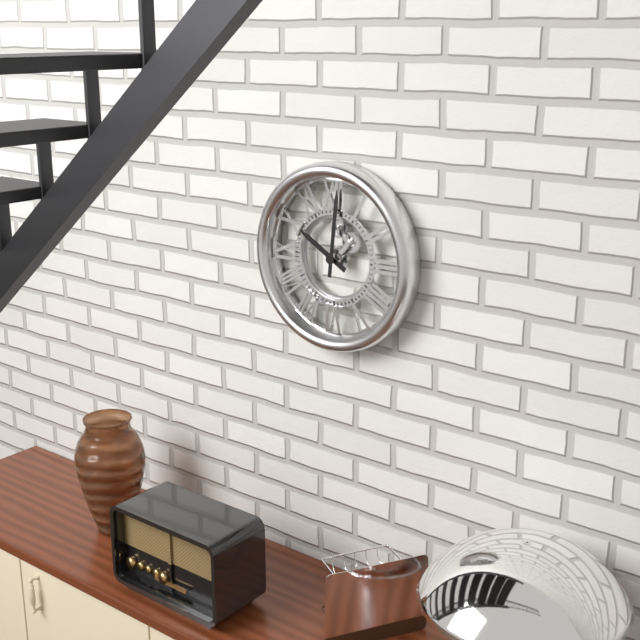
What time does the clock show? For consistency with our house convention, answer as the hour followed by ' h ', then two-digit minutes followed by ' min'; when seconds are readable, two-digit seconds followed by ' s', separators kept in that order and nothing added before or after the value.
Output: 10 h 01 min
